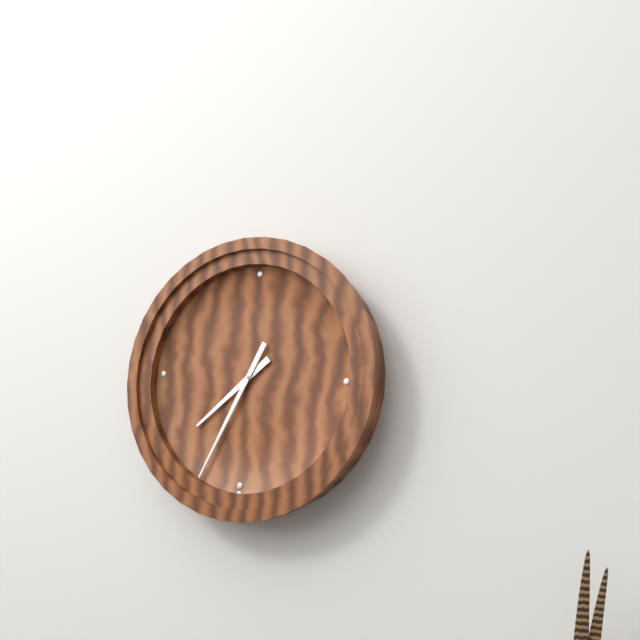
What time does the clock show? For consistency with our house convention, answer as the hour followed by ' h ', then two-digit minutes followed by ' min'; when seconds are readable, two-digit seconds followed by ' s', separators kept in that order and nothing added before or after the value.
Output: 7 h 34 min
